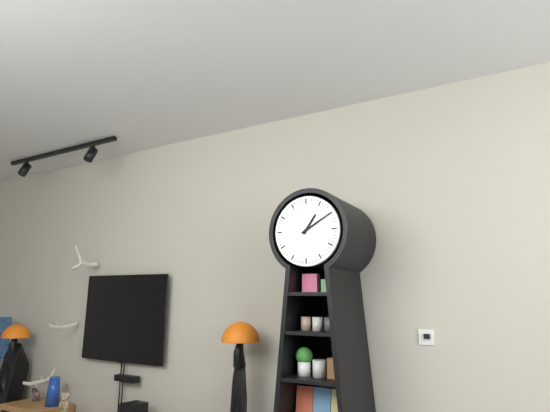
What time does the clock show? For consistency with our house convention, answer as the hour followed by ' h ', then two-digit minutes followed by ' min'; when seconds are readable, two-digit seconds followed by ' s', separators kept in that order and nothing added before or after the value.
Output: 1 h 10 min
